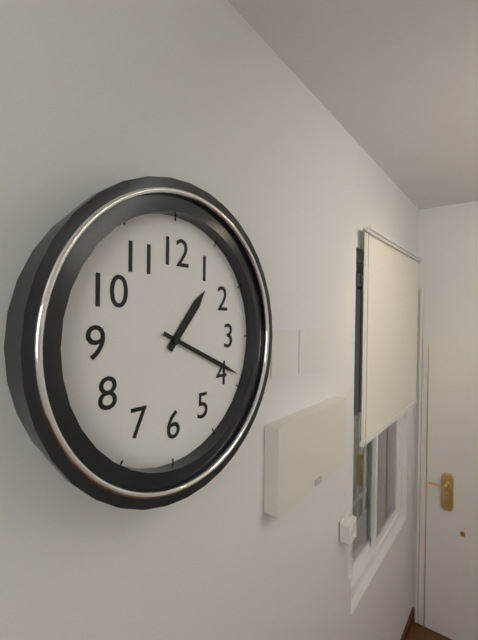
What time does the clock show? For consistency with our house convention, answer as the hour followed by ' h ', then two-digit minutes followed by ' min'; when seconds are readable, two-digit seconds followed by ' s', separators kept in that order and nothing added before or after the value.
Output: 1 h 19 min
